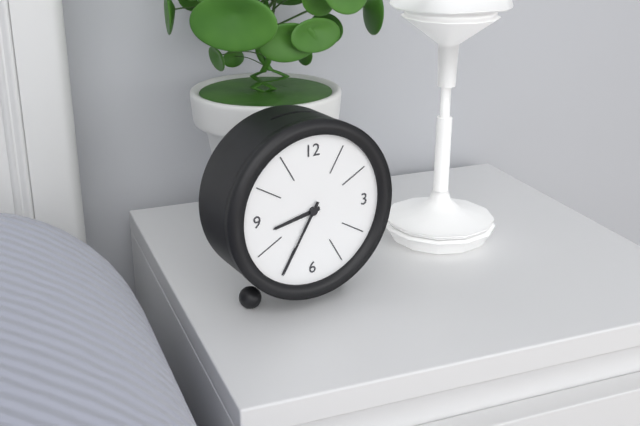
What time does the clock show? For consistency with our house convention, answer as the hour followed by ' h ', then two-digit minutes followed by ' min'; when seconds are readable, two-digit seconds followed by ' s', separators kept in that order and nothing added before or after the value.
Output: 8 h 35 min
